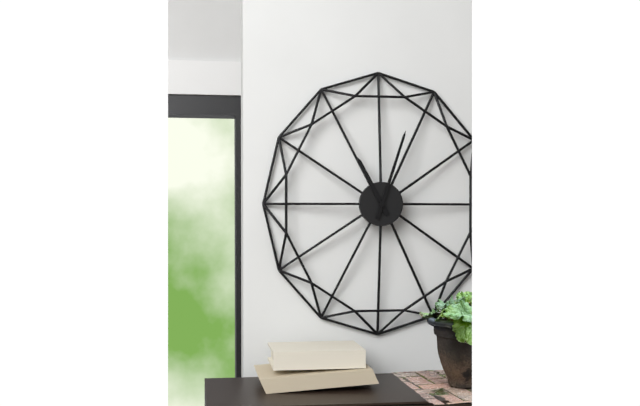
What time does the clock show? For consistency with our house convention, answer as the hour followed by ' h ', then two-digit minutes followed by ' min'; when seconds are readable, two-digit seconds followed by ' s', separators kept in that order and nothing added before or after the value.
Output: 11 h 03 min
